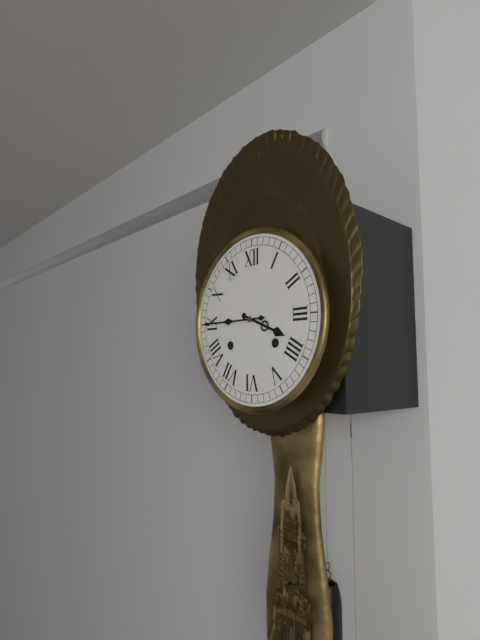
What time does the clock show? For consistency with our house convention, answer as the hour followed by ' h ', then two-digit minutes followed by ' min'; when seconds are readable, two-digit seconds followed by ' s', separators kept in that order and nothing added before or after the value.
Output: 3 h 45 min
